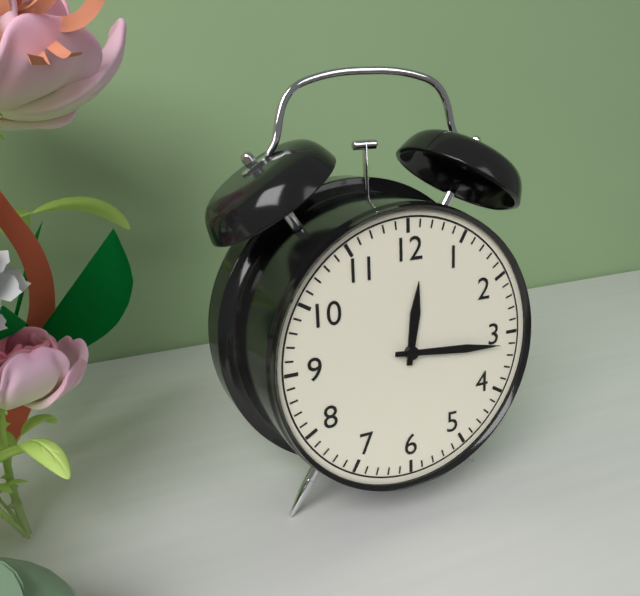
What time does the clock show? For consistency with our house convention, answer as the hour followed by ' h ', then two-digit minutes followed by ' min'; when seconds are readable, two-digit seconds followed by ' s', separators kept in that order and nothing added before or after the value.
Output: 12 h 16 min
